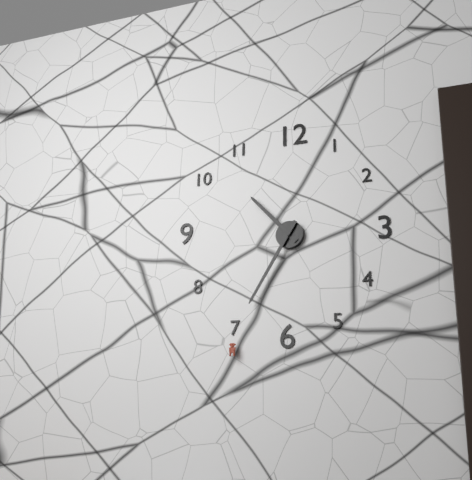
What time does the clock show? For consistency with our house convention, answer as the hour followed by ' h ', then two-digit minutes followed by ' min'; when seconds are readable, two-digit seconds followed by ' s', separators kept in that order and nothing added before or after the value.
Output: 10 h 35 min
